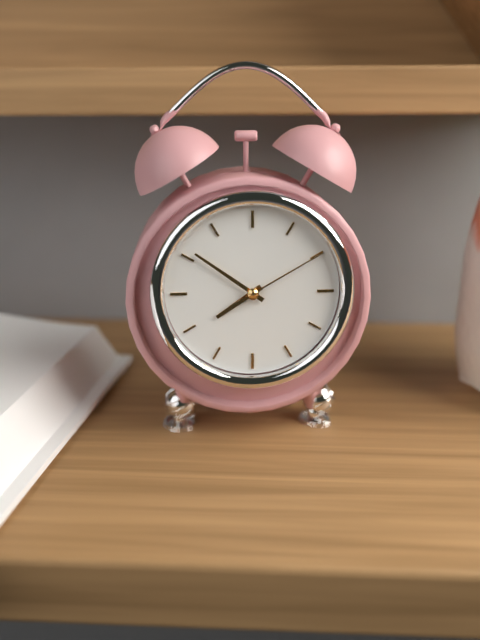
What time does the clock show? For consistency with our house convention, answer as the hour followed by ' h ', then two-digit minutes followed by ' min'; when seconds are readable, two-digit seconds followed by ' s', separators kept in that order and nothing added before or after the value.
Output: 7 h 51 min 10 s
